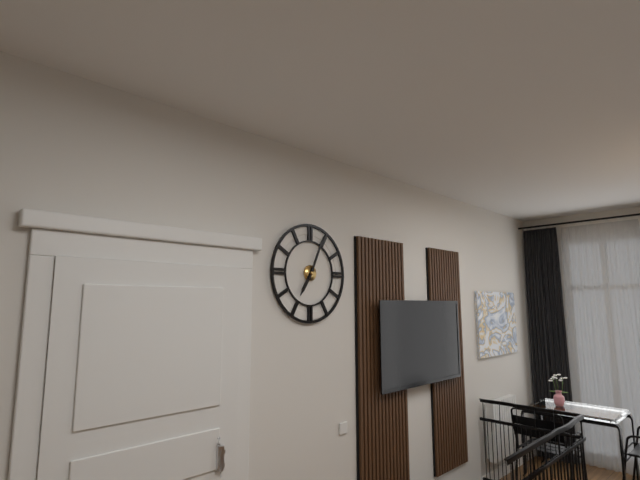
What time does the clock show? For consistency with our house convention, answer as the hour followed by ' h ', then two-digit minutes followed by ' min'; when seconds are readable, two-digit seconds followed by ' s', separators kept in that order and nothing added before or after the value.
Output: 7 h 04 min
